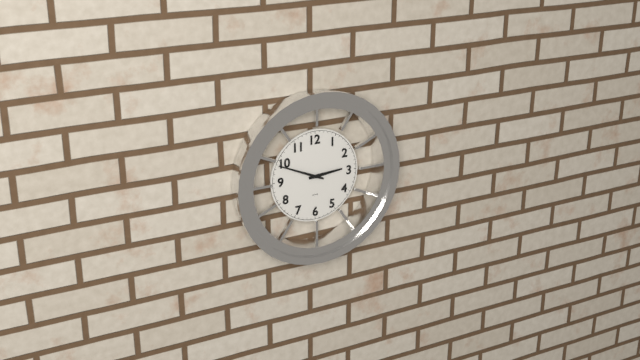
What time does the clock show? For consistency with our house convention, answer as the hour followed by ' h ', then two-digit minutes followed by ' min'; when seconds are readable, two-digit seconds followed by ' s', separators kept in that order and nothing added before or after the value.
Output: 2 h 49 min
